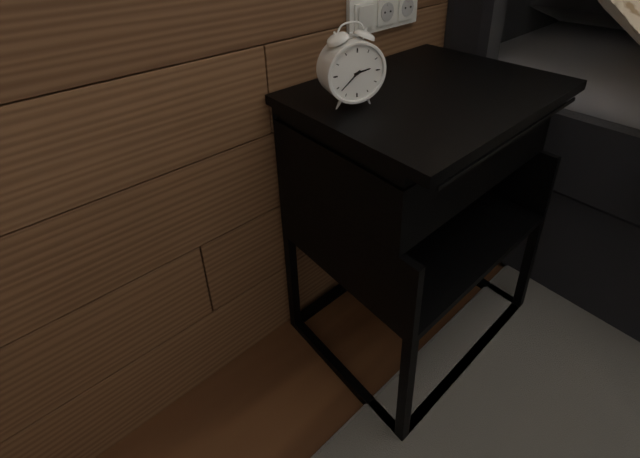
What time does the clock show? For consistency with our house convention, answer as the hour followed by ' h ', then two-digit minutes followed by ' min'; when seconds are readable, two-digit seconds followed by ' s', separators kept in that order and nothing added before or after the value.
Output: 2 h 38 min
